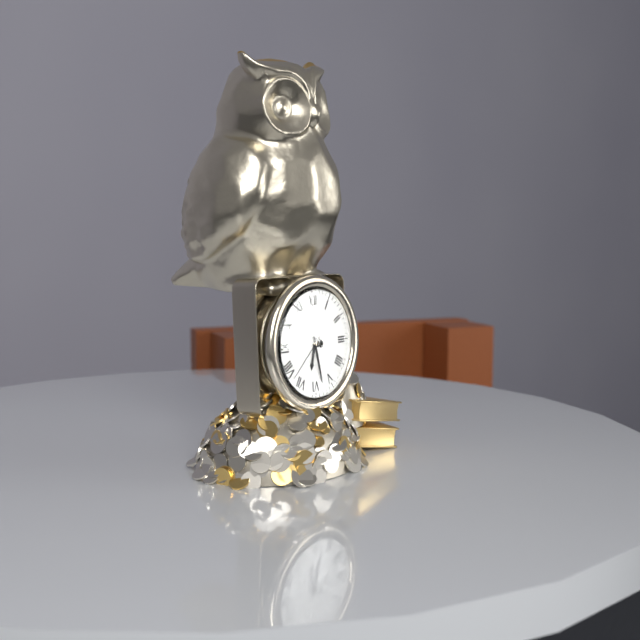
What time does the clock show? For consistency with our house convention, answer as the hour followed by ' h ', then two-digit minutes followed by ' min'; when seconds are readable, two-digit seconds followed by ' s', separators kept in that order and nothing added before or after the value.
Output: 6 h 28 min
